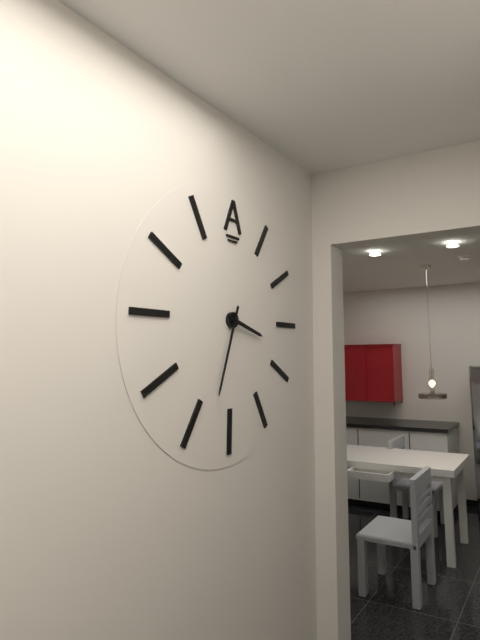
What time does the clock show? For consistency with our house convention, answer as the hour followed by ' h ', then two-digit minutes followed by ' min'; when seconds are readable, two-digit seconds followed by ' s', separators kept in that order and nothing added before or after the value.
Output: 3 h 33 min
